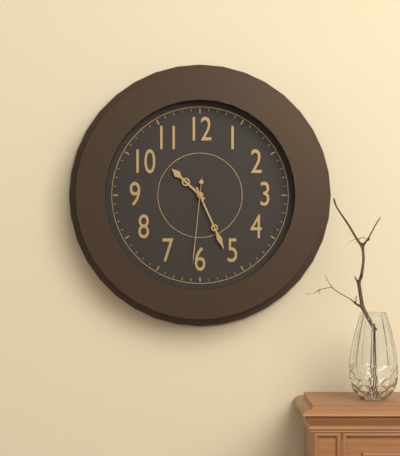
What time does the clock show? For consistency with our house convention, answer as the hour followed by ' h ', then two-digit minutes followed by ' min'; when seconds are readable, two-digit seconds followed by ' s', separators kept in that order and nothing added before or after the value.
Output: 10 h 26 min 31 s
